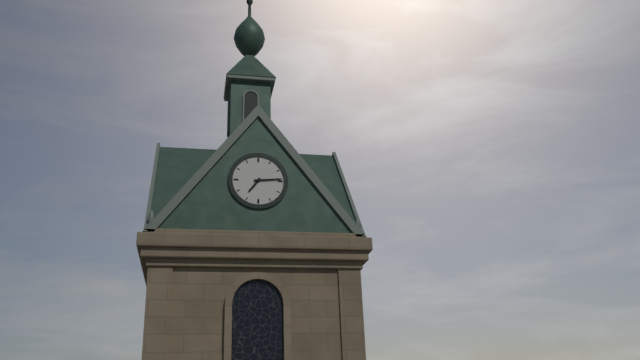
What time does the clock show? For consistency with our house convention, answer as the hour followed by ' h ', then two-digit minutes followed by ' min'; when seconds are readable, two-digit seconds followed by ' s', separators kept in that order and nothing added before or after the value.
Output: 7 h 14 min
